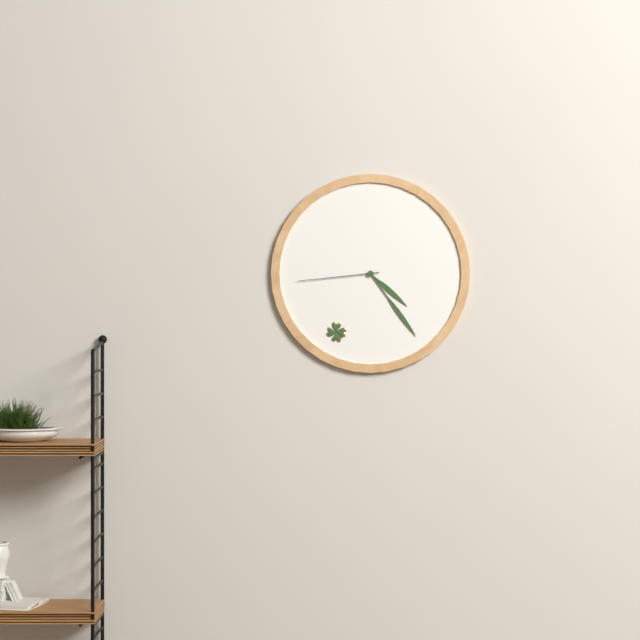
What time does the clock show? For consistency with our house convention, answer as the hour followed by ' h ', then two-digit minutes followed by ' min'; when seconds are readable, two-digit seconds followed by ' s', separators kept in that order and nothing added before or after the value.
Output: 4 h 24 min 44 s
